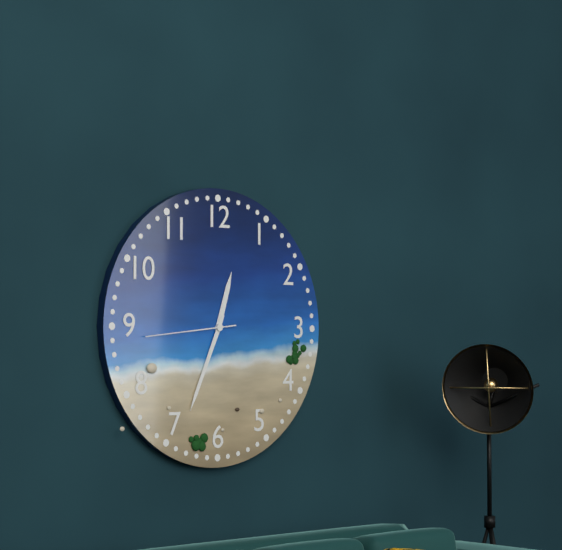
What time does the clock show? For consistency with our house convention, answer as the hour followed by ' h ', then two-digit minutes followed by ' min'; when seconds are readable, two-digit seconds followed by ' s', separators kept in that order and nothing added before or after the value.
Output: 12 h 34 min 44 s
